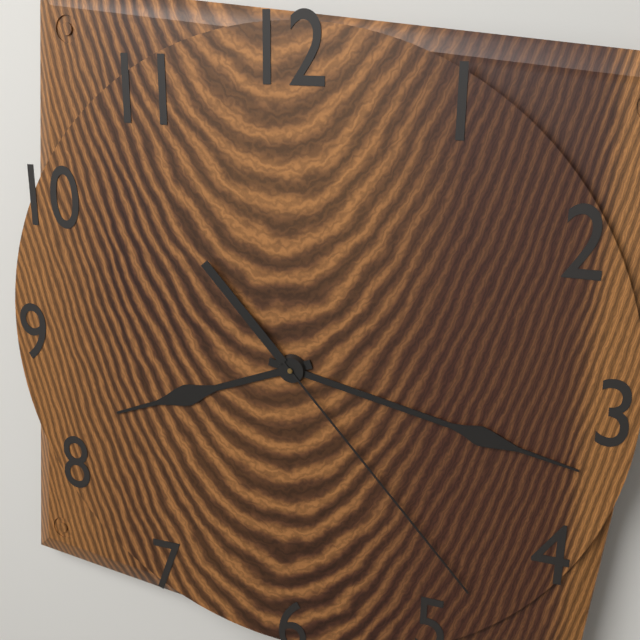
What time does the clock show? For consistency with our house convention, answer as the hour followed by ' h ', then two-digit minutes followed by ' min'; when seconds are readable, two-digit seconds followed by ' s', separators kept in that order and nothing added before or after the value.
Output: 8 h 17 min 23 s
